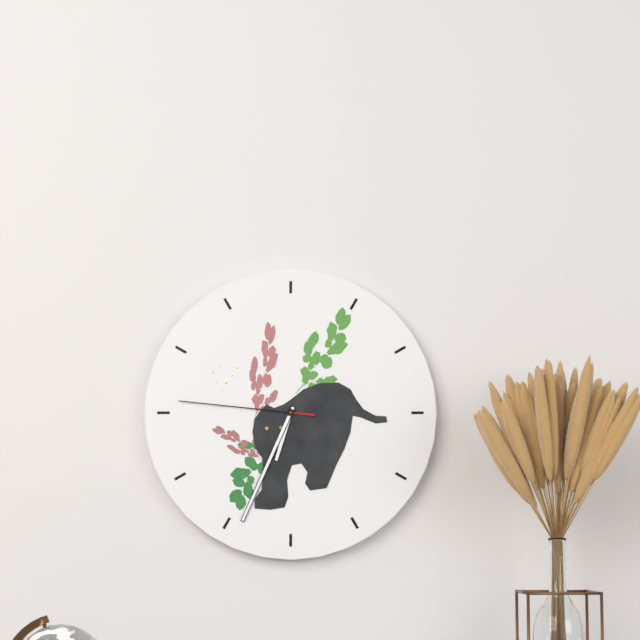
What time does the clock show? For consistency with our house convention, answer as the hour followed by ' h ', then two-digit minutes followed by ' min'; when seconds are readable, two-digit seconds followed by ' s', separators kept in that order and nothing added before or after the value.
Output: 6 h 34 min 46 s
